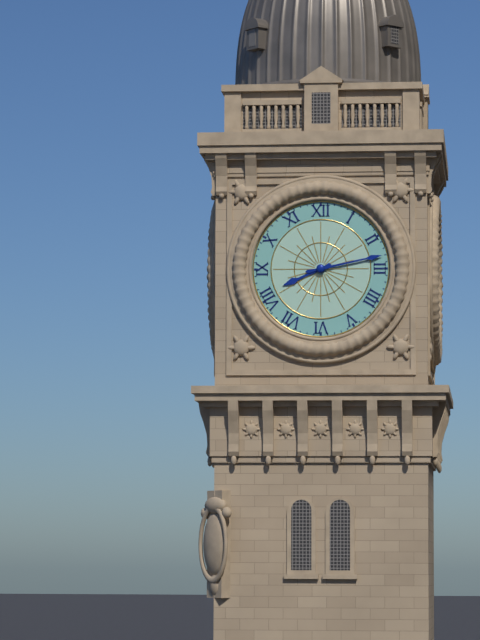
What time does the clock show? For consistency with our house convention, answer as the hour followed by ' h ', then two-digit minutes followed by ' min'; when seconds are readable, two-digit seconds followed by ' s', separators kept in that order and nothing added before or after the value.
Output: 8 h 13 min
